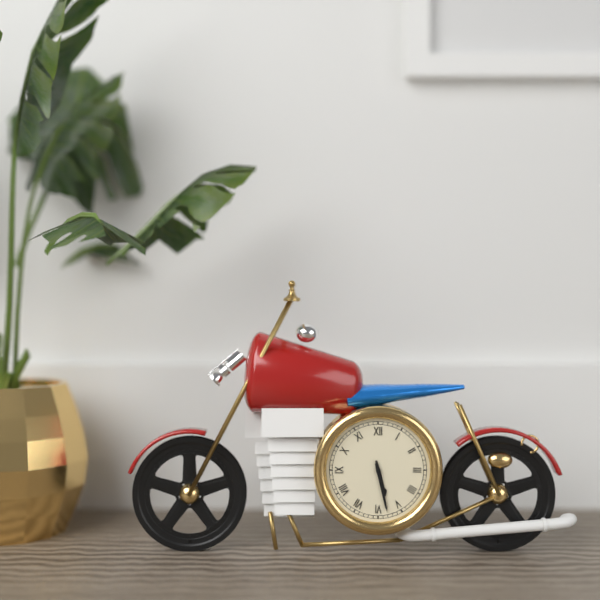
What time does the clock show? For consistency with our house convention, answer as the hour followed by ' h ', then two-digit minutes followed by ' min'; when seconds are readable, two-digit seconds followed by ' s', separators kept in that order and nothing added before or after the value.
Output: 5 h 28 min
